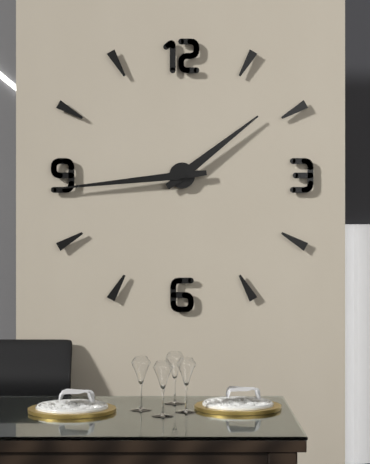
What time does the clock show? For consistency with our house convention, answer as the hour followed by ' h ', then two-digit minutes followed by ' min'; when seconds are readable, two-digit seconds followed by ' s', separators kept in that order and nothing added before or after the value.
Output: 1 h 44 min
